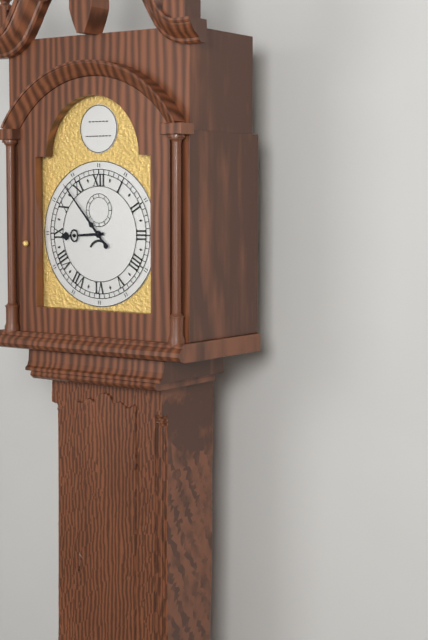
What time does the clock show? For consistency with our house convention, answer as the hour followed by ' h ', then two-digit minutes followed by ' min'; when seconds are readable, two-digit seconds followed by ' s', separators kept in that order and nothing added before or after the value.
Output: 8 h 53 min
